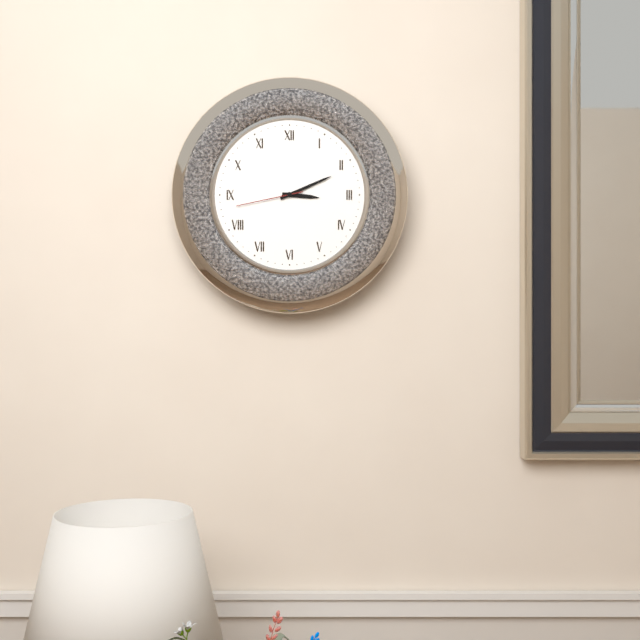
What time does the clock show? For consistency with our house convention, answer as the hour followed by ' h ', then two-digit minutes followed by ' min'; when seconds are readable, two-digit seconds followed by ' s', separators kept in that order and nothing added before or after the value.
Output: 3 h 11 min 43 s
